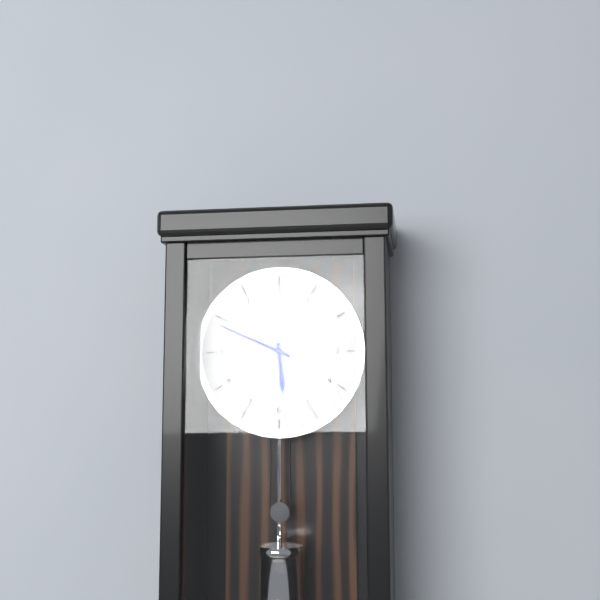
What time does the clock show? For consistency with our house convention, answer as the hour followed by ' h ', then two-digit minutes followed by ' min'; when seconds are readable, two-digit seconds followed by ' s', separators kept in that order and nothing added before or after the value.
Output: 5 h 49 min
